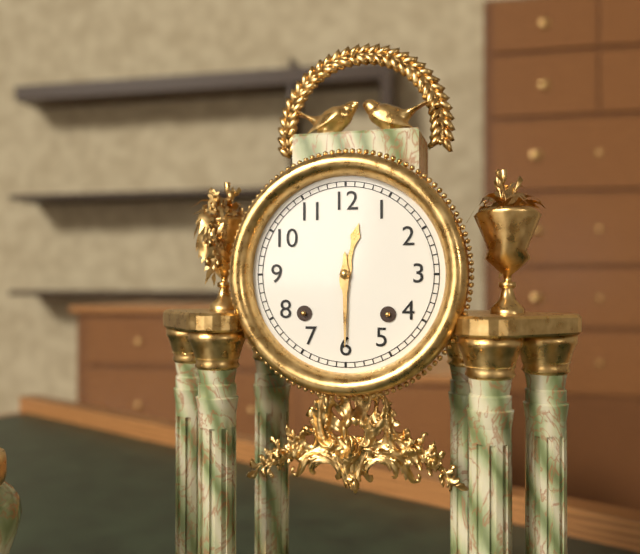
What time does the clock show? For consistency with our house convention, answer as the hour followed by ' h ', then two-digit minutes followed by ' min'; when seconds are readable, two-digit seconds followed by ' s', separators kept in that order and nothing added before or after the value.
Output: 12 h 30 min
